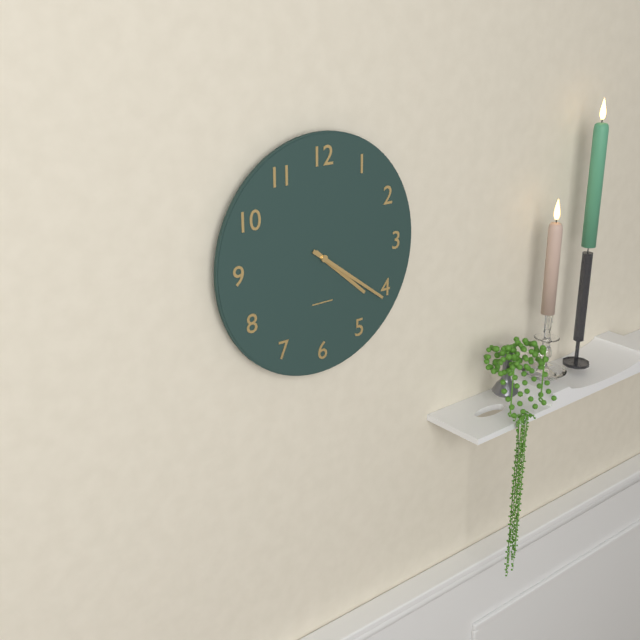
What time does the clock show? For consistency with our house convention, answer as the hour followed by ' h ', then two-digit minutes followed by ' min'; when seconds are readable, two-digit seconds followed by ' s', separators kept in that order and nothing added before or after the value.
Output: 4 h 21 min
